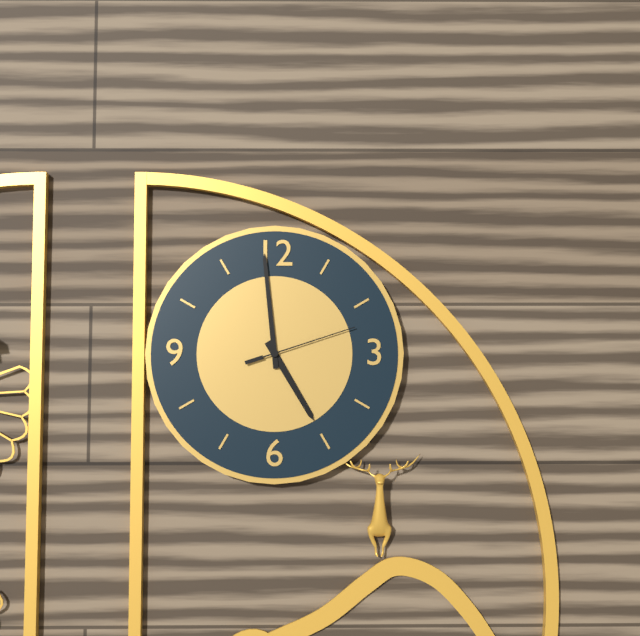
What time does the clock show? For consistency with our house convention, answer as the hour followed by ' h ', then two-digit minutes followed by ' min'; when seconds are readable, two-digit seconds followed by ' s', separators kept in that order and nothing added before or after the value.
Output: 4 h 59 min 12 s
